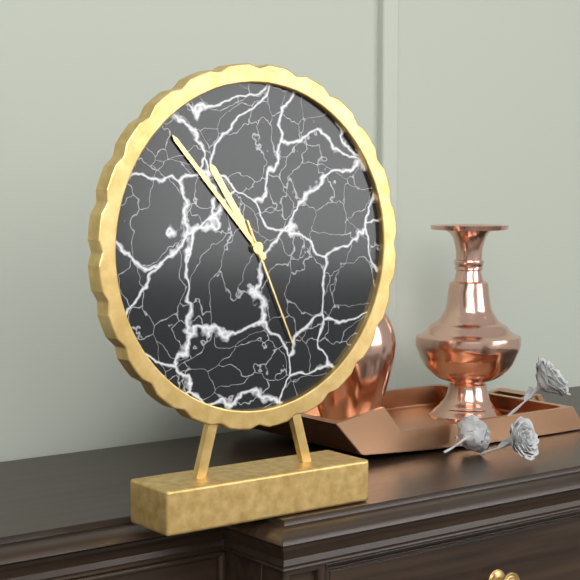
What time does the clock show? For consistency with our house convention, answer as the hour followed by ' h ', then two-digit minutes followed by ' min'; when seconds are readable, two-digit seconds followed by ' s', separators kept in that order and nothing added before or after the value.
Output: 10 h 53 min 26 s
